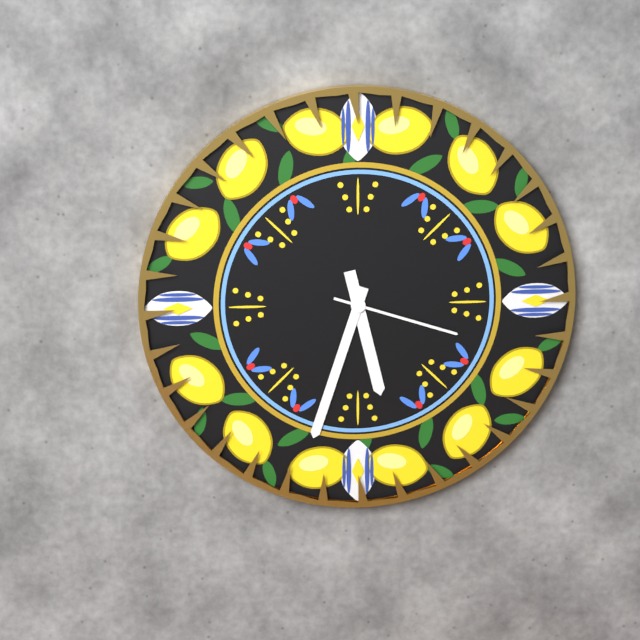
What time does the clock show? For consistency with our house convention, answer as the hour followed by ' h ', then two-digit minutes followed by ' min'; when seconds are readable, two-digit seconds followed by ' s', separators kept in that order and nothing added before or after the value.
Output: 5 h 33 min 18 s
